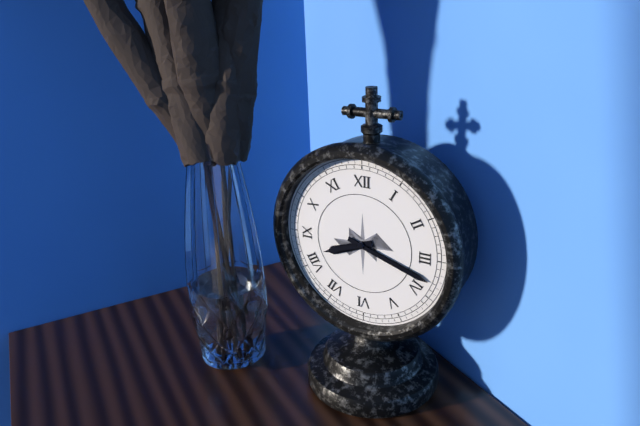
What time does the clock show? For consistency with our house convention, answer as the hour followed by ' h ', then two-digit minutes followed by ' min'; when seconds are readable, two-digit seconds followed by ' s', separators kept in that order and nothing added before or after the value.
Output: 8 h 18 min
